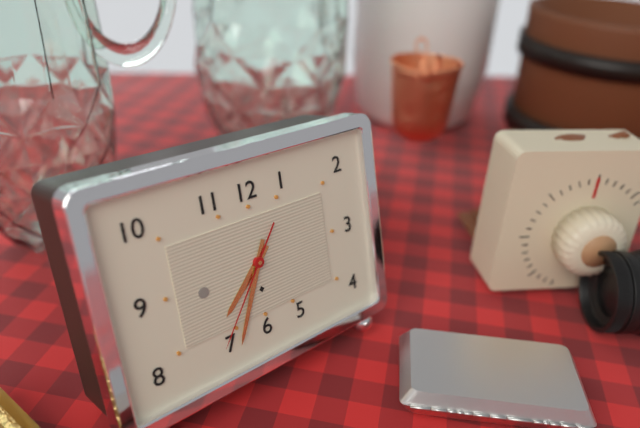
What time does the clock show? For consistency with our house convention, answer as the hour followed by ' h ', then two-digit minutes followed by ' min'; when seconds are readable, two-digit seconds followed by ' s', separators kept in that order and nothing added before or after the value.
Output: 7 h 34 min 36 s
